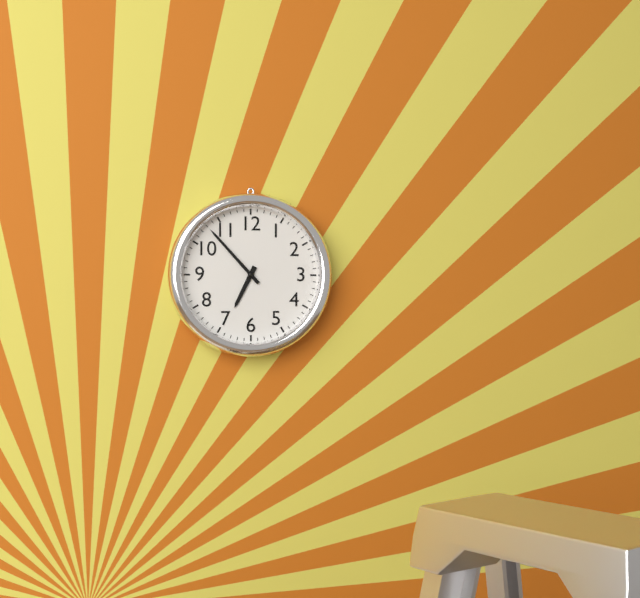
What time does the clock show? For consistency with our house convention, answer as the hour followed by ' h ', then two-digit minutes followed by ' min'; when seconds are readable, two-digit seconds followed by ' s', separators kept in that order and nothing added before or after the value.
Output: 6 h 53 min
